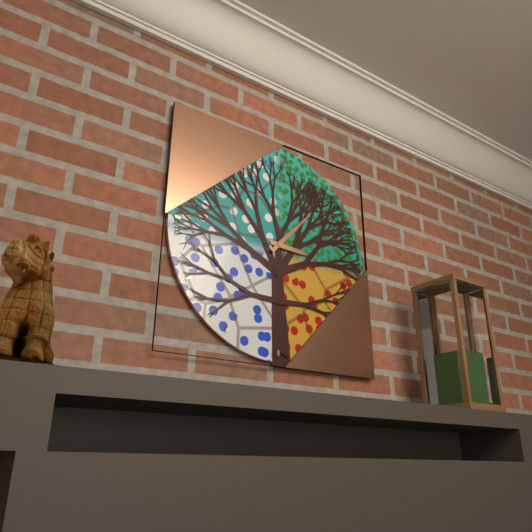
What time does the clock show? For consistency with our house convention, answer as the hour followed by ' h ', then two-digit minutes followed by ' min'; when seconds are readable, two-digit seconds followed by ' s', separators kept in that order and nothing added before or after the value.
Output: 3 h 07 min
